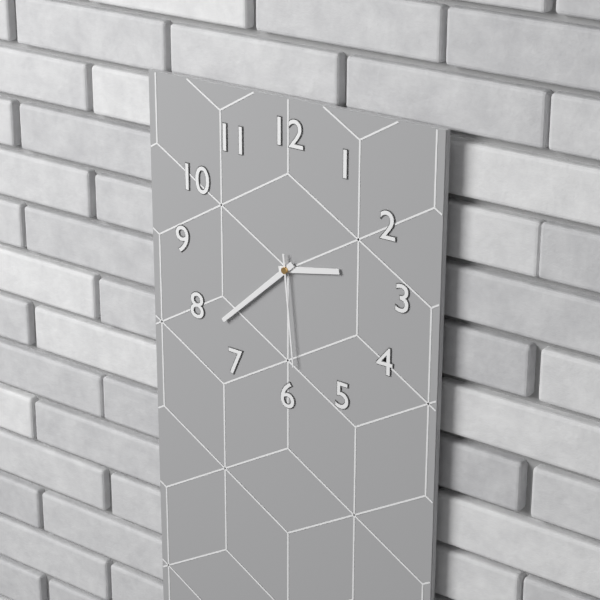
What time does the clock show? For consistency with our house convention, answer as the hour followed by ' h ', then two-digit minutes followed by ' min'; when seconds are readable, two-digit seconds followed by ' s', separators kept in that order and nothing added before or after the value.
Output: 2 h 38 min 29 s
